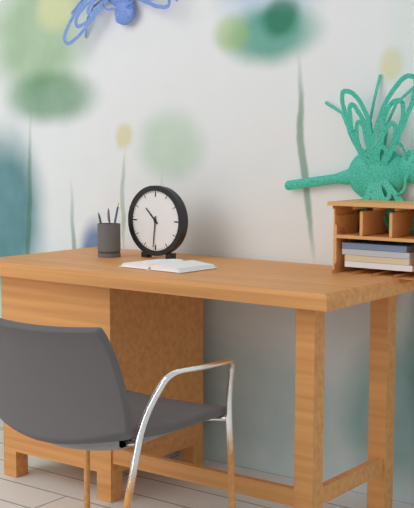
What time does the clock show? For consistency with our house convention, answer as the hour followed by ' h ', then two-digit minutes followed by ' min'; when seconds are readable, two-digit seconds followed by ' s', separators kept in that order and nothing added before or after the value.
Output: 10 h 31 min
